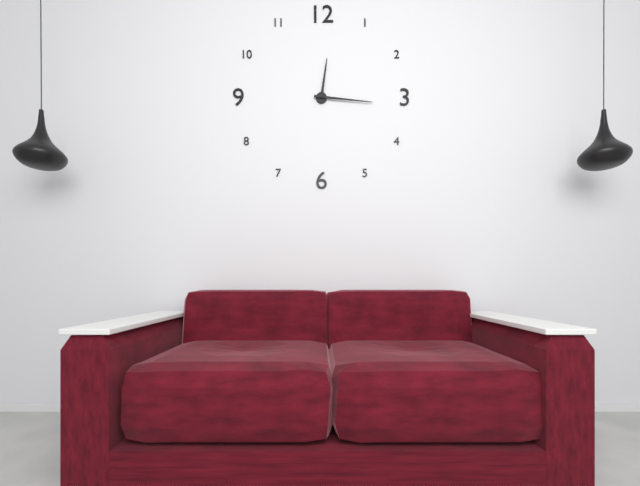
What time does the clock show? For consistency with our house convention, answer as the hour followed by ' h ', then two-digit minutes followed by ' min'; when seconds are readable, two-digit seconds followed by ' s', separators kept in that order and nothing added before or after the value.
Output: 12 h 16 min
